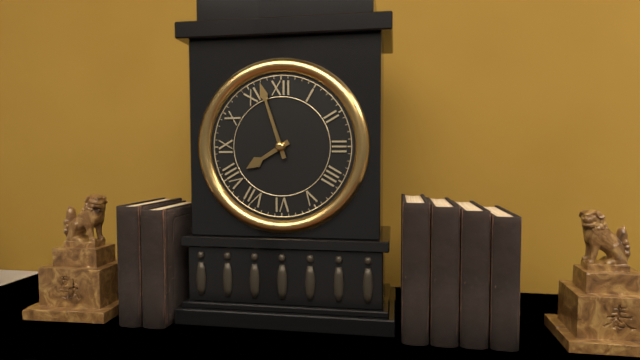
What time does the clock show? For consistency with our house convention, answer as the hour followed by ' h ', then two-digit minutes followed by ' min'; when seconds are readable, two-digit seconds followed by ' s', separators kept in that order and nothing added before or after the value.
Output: 7 h 57 min
